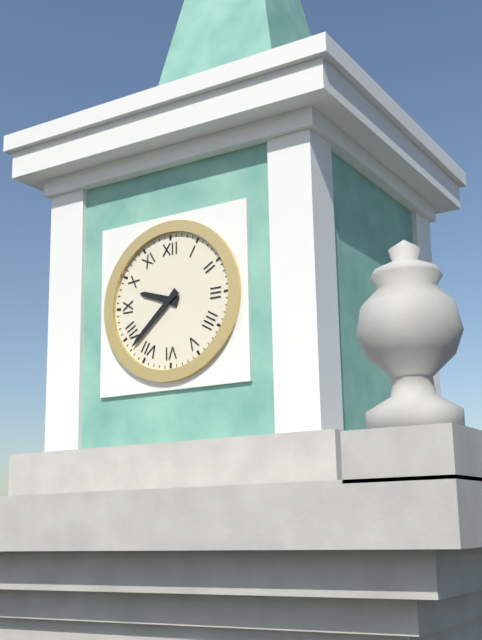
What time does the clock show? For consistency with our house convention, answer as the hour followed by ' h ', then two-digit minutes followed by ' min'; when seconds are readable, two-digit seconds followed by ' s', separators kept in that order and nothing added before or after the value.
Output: 9 h 38 min
